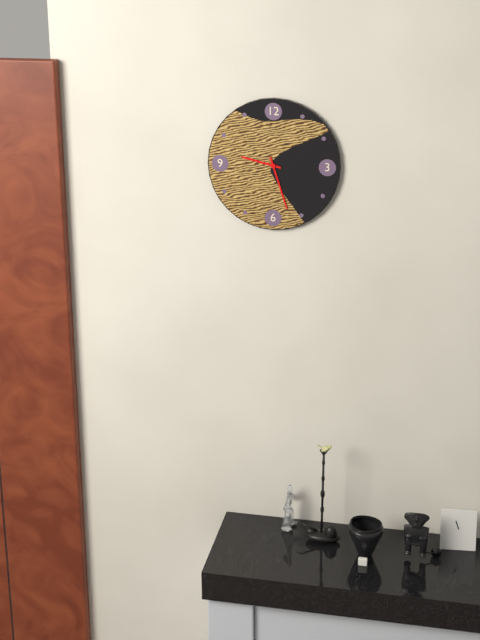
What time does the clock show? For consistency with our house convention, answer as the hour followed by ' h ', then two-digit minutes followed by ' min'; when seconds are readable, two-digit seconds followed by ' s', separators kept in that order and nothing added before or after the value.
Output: 9 h 27 min
